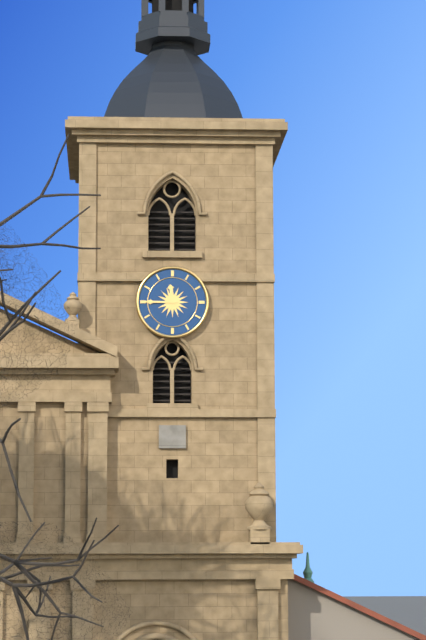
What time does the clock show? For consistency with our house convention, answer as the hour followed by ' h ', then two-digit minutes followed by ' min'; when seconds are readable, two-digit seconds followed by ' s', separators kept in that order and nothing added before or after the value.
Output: 11 h 45 min
